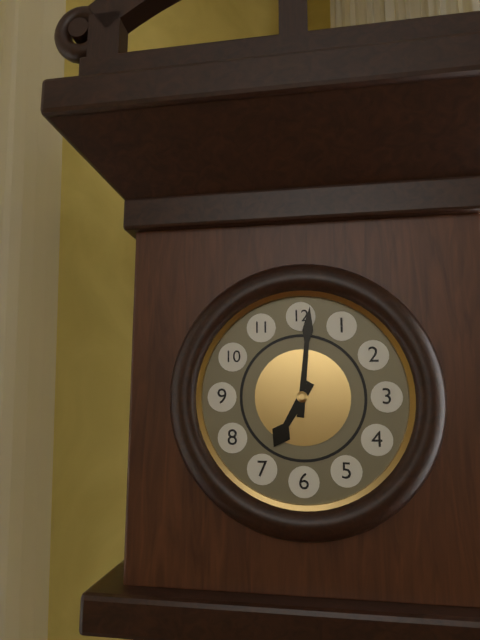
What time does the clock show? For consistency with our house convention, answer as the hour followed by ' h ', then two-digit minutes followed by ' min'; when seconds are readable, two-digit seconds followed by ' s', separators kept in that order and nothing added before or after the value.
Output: 7 h 01 min
